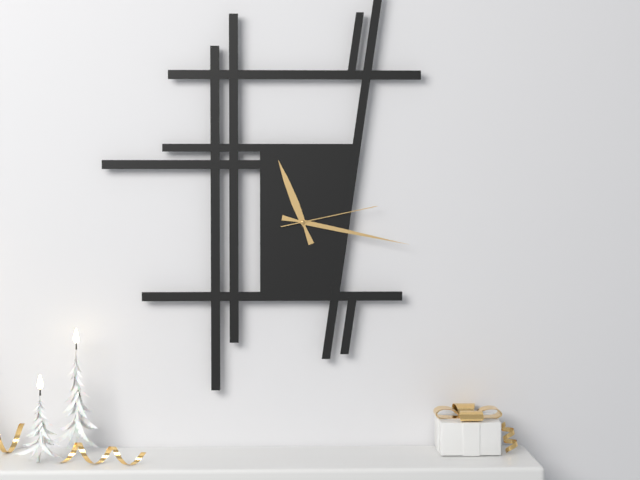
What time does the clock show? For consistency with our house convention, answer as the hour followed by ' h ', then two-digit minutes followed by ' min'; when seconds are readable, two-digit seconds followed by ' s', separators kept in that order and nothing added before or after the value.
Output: 11 h 17 min 13 s
